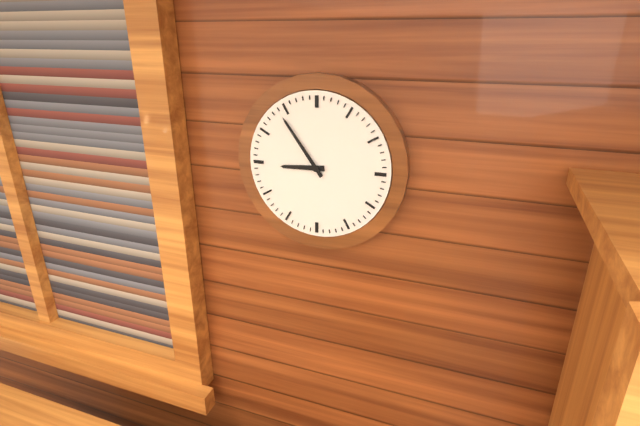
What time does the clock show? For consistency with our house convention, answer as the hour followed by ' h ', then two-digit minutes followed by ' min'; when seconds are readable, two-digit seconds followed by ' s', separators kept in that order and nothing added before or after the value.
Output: 8 h 54 min
